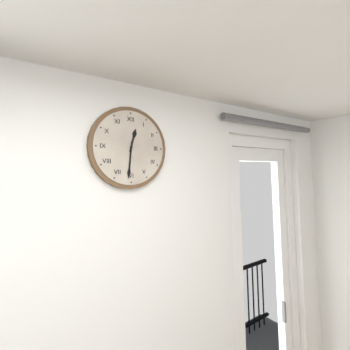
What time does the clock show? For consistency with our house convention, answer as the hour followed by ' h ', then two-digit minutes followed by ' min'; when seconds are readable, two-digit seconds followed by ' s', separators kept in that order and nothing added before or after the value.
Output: 12 h 31 min
